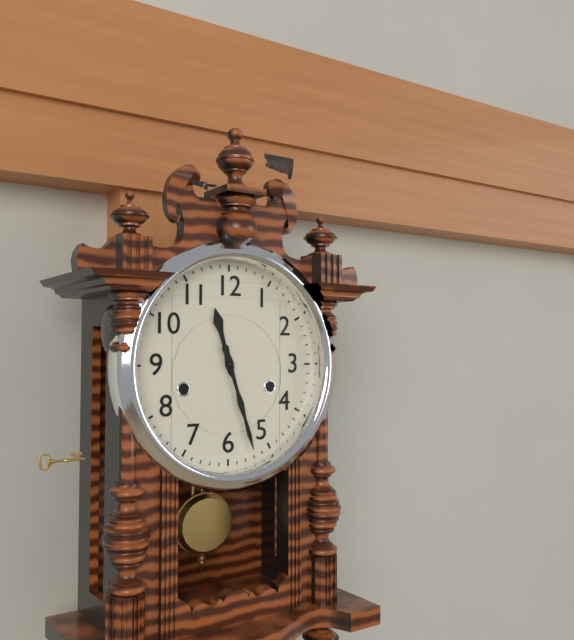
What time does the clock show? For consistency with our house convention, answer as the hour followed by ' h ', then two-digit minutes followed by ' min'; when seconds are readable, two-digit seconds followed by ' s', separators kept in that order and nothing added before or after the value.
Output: 11 h 27 min
